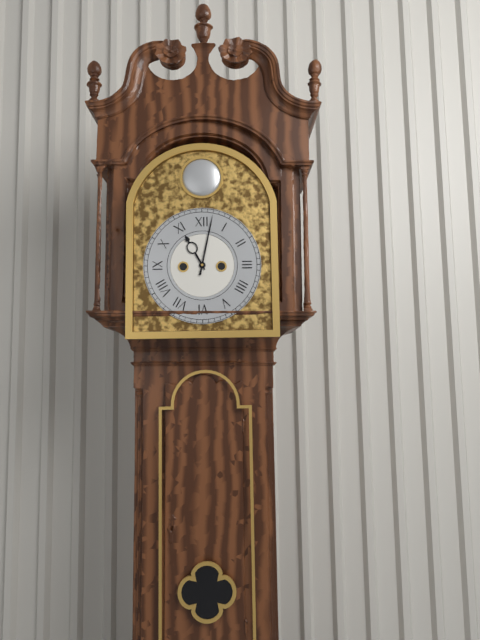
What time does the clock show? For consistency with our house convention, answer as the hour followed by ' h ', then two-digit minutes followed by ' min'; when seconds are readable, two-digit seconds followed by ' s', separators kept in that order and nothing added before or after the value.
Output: 11 h 02 min
